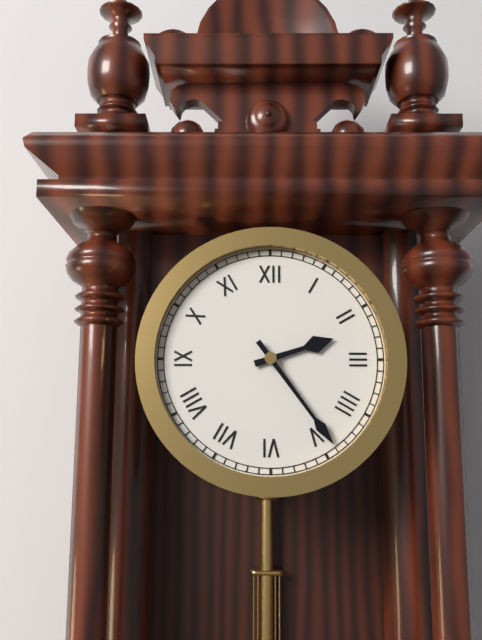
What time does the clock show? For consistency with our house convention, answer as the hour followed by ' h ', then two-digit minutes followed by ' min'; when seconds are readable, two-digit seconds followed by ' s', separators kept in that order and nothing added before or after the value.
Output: 2 h 24 min
